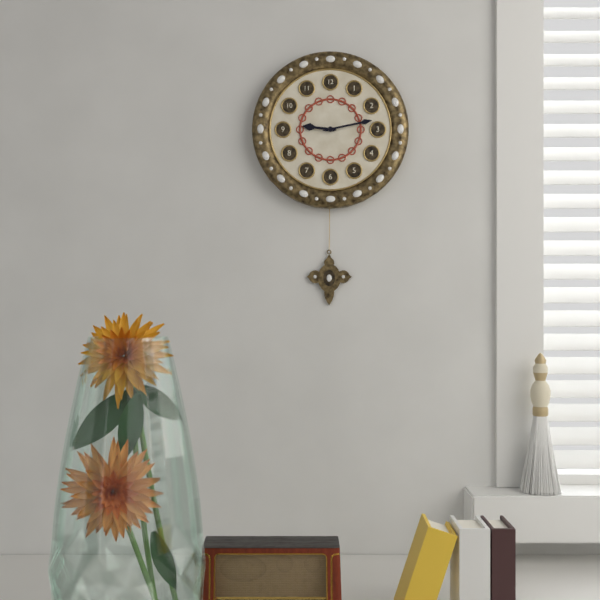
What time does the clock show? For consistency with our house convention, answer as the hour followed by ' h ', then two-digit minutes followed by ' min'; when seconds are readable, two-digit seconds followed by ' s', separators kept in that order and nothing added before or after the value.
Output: 9 h 13 min
